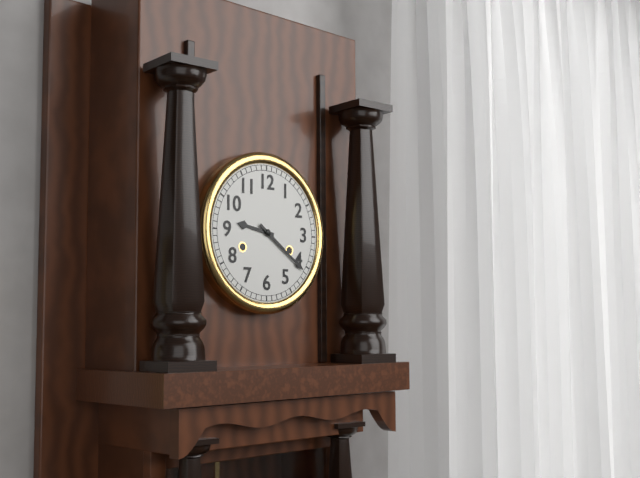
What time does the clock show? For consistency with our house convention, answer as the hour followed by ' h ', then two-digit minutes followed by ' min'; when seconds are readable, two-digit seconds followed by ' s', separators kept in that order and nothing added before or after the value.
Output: 9 h 21 min
